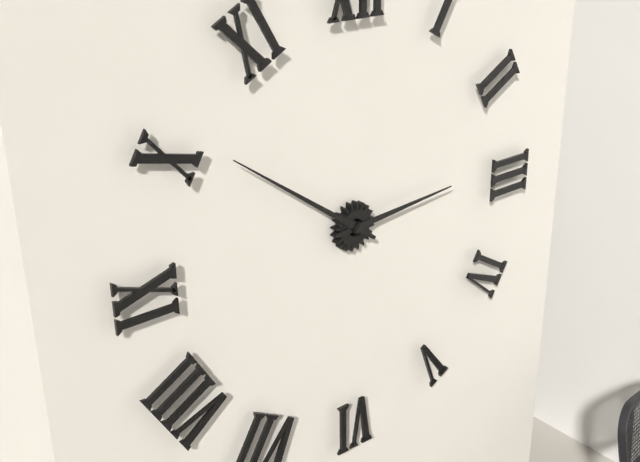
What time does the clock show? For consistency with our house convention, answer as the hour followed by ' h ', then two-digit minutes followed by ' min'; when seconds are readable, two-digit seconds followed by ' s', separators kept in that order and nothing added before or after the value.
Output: 2 h 51 min
